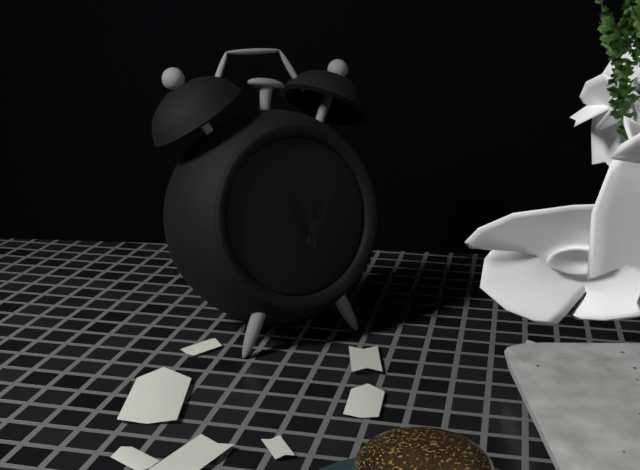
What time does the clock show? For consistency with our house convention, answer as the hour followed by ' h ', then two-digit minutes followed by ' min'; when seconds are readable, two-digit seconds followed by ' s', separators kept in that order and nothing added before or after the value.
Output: 12 h 58 min
